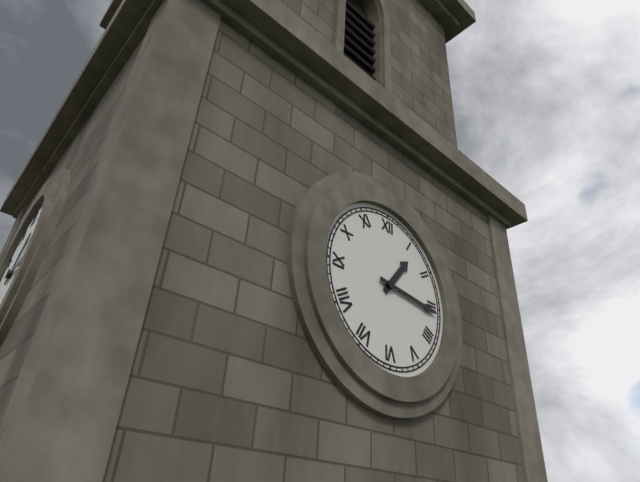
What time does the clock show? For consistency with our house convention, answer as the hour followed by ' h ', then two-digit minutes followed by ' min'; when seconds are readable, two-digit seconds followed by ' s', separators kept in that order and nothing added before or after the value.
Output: 1 h 16 min
